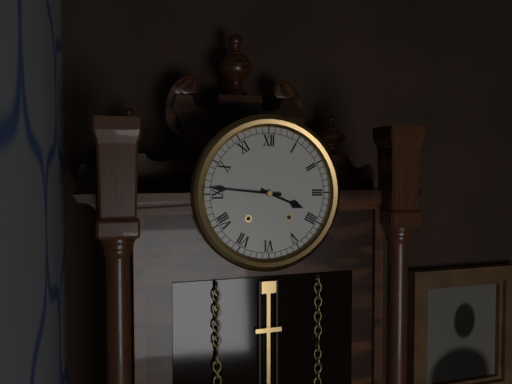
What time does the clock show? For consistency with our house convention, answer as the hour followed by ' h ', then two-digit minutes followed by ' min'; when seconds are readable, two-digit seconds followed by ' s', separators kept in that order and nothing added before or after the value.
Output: 3 h 46 min
